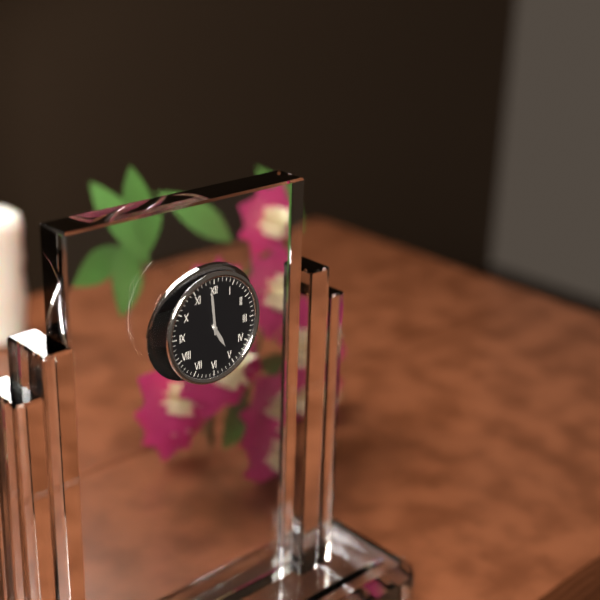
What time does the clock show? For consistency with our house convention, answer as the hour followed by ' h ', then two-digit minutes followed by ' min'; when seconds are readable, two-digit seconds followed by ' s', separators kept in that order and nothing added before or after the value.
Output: 4 h 59 min
